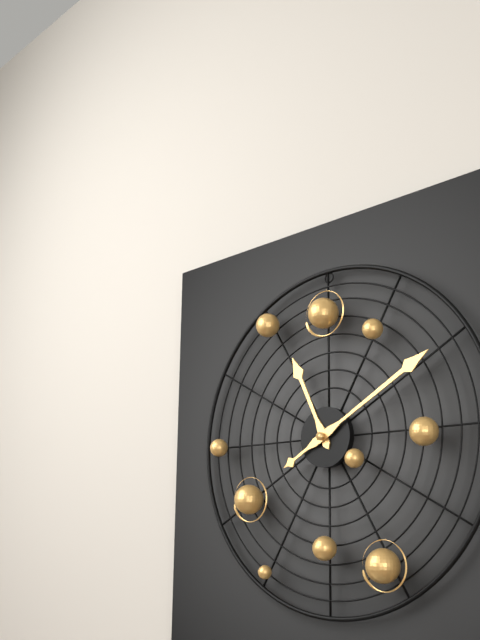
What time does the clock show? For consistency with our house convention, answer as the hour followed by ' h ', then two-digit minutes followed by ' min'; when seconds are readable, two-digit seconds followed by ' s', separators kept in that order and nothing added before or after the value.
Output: 11 h 10 min
